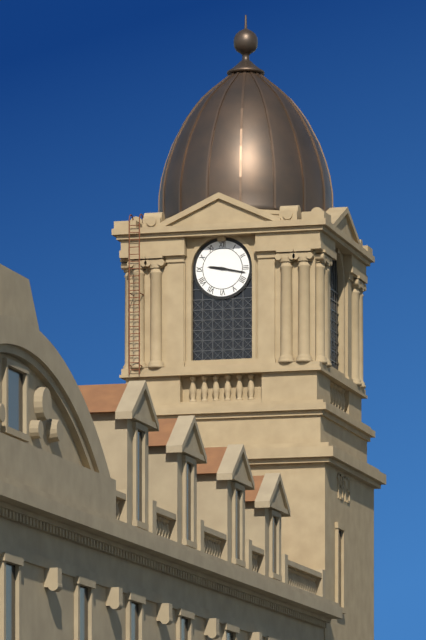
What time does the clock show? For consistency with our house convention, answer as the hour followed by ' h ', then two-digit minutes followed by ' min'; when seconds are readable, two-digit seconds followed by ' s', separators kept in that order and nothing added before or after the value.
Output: 9 h 17 min
